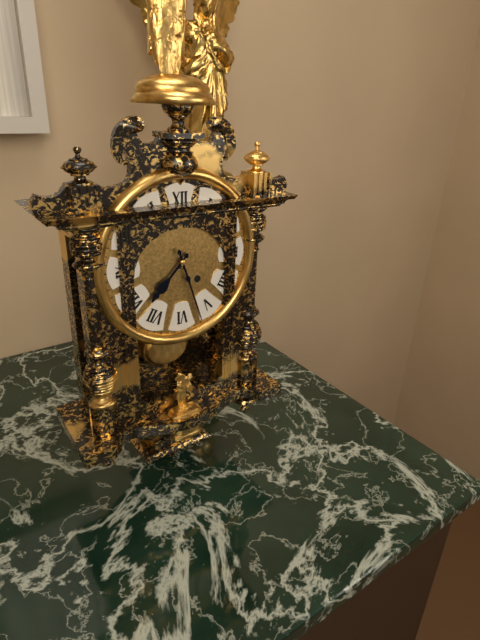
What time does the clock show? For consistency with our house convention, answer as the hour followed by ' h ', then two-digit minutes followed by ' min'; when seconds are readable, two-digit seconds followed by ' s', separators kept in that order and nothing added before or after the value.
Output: 7 h 27 min
